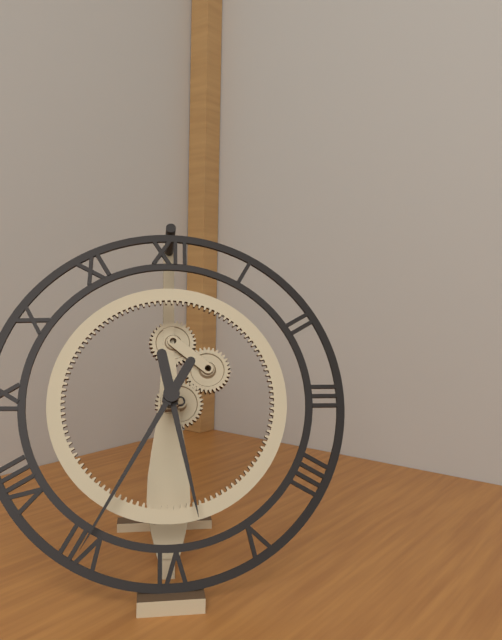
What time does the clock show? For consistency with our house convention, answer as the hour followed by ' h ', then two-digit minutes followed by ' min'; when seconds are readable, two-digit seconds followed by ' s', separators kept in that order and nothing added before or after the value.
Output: 5 h 35 min
